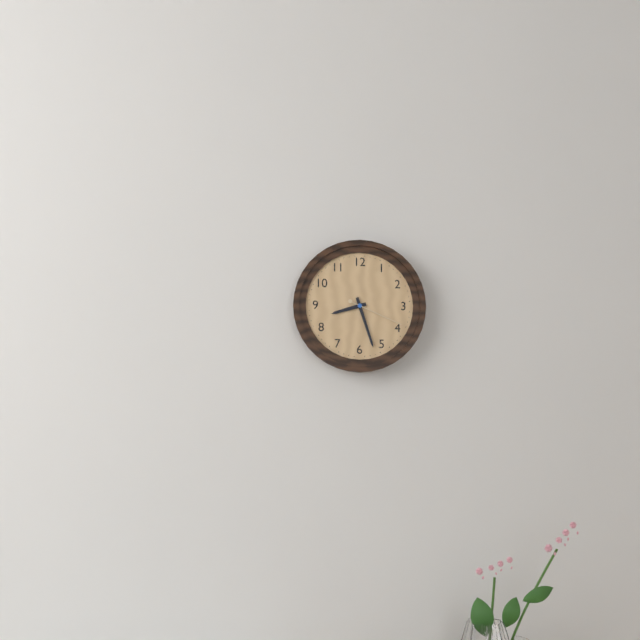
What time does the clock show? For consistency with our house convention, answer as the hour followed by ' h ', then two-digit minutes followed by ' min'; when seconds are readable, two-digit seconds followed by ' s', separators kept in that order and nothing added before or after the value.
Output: 8 h 27 min 19 s
